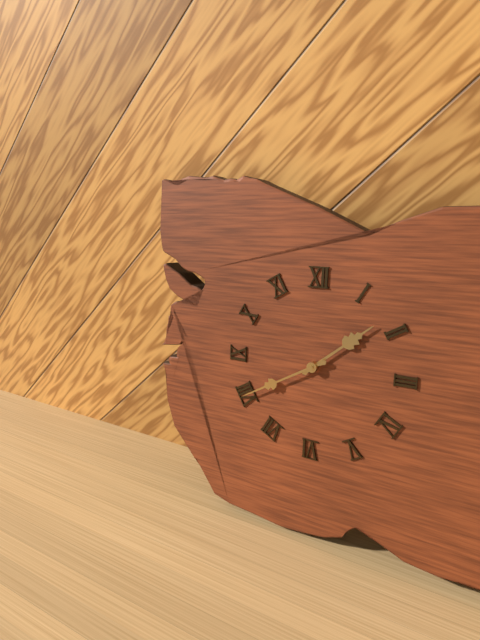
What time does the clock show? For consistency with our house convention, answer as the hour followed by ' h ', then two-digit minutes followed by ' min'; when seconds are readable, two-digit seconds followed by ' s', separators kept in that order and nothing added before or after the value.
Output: 1 h 40 min
